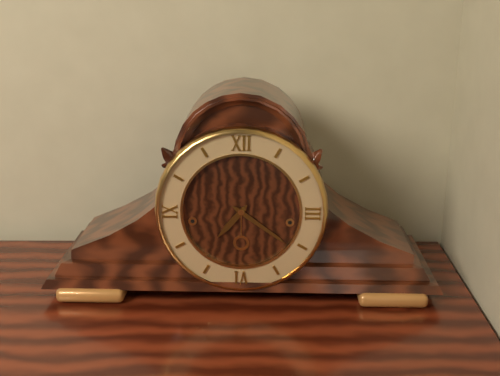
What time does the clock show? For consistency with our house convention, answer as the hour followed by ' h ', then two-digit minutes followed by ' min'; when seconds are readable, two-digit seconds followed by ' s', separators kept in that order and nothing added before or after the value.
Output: 7 h 21 min
